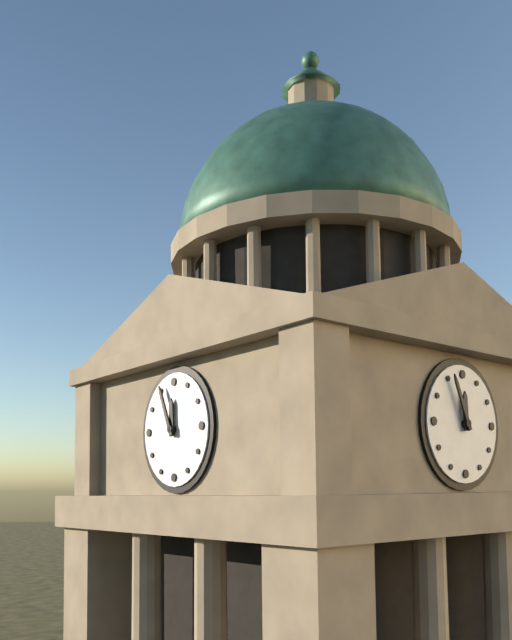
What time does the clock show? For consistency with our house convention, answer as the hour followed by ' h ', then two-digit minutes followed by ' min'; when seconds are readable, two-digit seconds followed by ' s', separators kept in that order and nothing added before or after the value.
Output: 11 h 56 min
